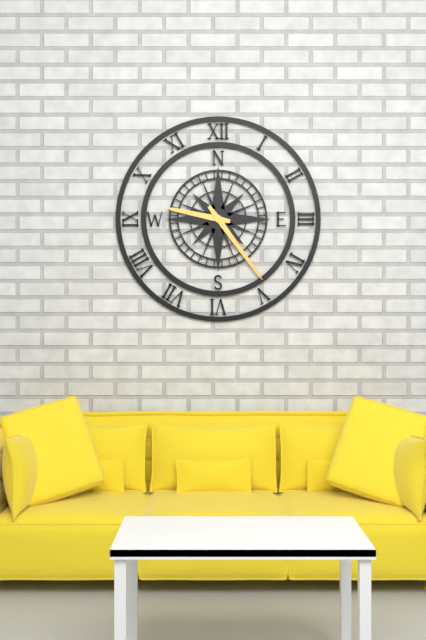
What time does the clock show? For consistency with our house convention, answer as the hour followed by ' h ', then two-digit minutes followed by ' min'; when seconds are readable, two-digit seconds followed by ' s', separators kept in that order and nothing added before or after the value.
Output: 9 h 24 min
